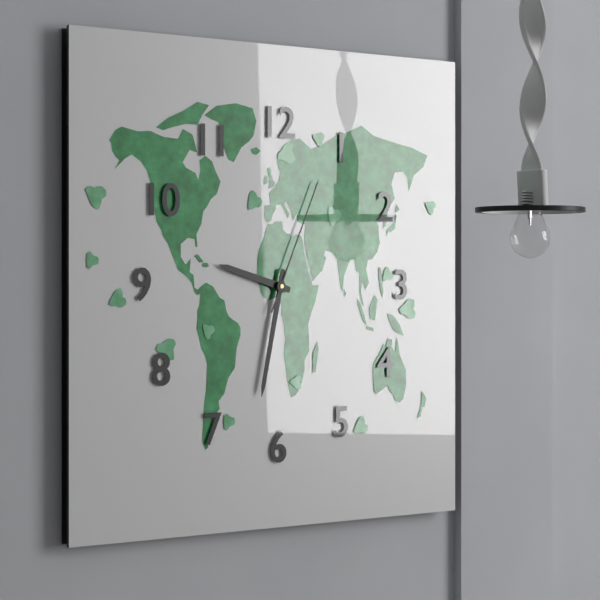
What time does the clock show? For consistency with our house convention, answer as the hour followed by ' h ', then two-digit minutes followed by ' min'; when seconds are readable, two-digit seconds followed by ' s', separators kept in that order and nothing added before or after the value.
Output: 9 h 32 min 04 s
